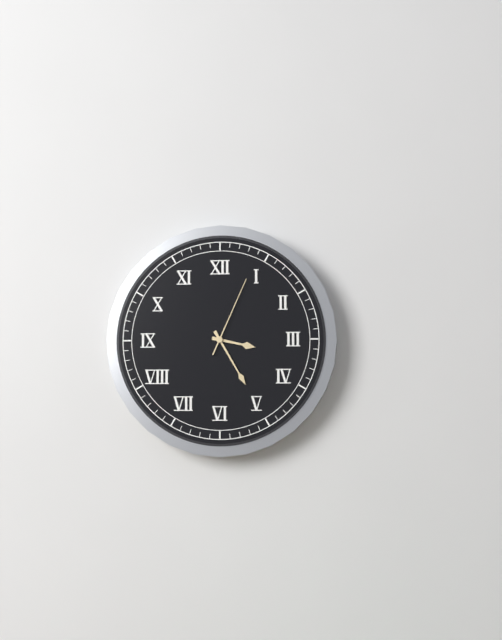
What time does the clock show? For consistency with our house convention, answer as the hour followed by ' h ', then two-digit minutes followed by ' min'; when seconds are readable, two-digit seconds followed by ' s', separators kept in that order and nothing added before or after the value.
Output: 3 h 25 min 04 s
